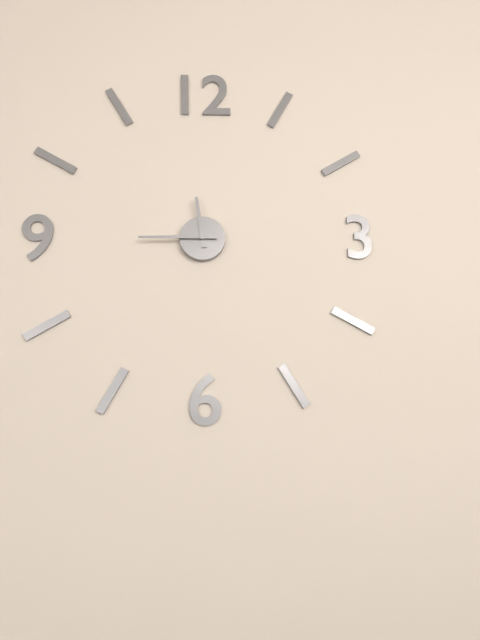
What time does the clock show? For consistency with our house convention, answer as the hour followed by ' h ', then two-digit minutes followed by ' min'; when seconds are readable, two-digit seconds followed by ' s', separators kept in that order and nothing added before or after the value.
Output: 11 h 45 min
